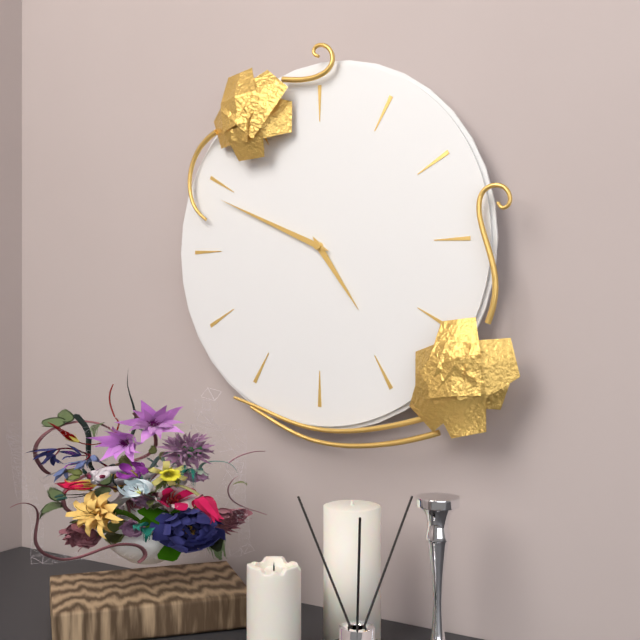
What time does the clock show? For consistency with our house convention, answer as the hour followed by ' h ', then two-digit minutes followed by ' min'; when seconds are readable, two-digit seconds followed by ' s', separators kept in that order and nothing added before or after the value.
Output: 4 h 49 min
